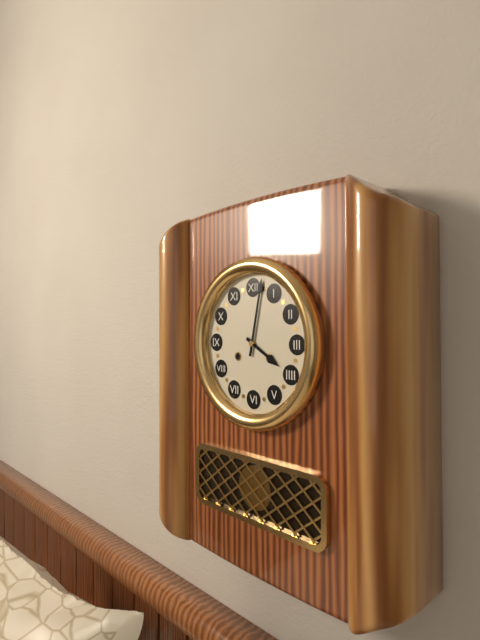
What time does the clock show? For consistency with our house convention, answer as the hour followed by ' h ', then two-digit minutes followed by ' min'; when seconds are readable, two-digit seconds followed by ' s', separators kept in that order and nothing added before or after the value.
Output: 4 h 02 min
